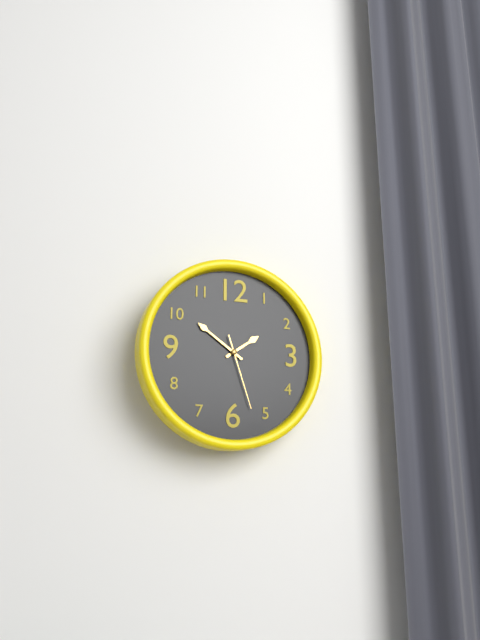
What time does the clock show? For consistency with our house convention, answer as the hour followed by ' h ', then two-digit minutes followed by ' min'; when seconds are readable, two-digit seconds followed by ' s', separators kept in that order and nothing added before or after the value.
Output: 1 h 51 min 27 s
